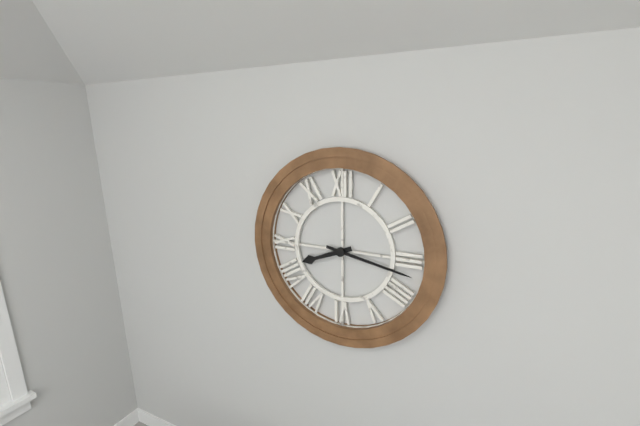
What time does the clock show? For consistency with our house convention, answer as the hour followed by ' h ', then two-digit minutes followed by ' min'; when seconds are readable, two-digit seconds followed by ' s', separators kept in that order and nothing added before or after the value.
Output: 8 h 17 min
